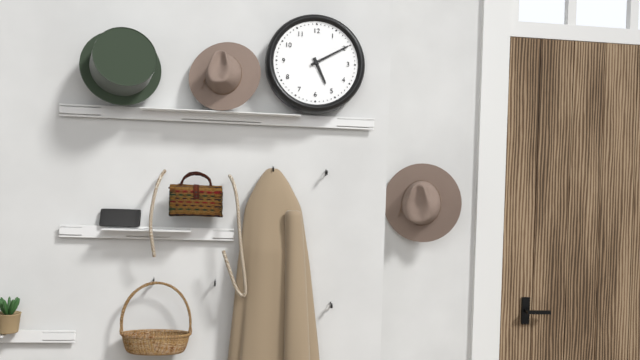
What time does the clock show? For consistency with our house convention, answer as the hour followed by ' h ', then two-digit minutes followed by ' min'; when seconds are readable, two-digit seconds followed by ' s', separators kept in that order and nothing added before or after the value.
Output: 5 h 10 min
